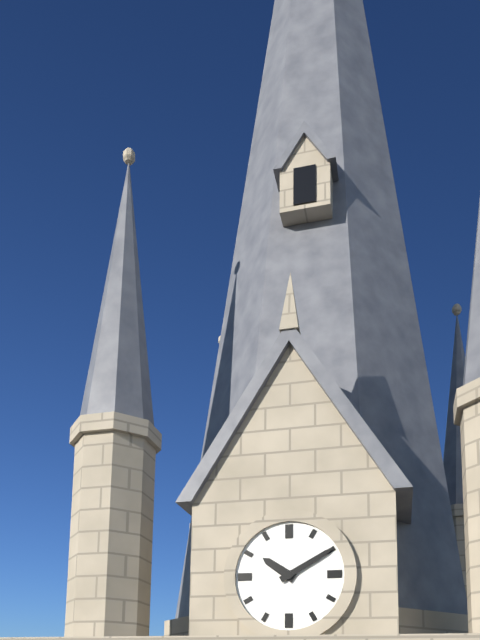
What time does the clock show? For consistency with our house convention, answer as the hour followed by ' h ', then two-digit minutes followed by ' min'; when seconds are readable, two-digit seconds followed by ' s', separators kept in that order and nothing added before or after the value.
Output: 10 h 10 min
